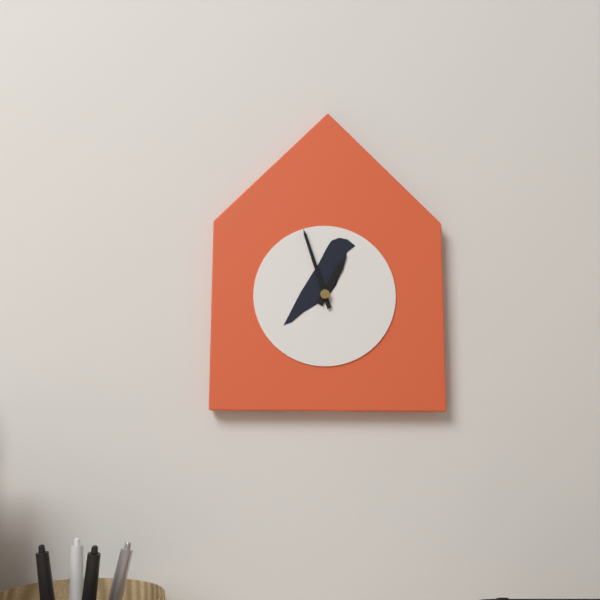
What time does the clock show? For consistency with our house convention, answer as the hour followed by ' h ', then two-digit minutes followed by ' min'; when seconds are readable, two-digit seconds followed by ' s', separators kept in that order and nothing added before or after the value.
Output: 12 h 57 min
